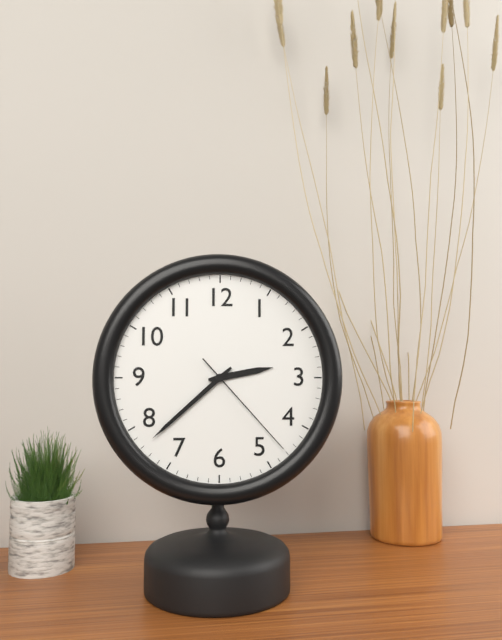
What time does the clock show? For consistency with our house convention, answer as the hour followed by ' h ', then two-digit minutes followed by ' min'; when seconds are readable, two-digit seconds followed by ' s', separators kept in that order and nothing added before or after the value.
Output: 2 h 38 min 23 s
